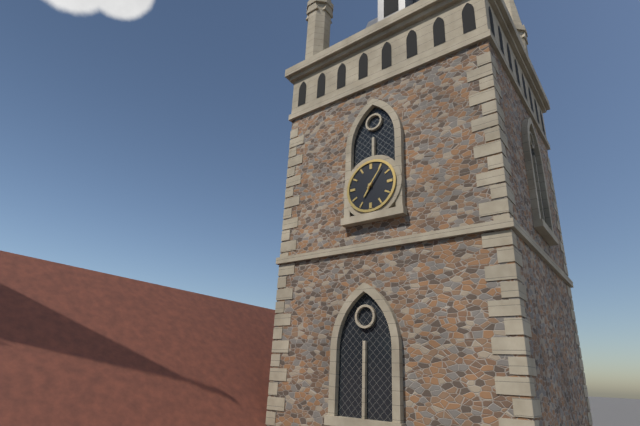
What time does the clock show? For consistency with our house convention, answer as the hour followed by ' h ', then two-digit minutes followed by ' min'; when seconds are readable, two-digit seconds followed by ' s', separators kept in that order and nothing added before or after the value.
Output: 7 h 06 min
